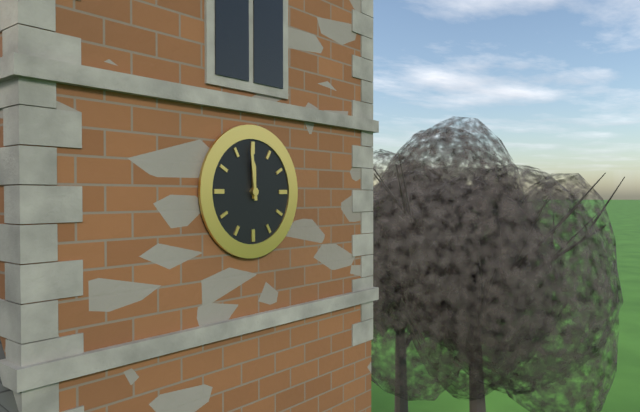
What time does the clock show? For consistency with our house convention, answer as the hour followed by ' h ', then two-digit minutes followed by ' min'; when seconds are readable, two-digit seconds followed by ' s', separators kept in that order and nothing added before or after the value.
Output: 11 h 59 min
